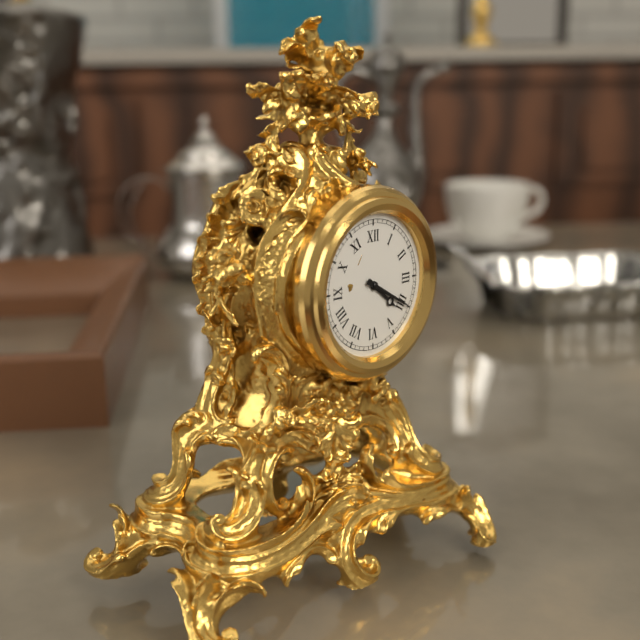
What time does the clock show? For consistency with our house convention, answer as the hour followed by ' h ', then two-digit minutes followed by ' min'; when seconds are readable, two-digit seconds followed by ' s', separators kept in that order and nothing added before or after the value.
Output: 4 h 20 min
